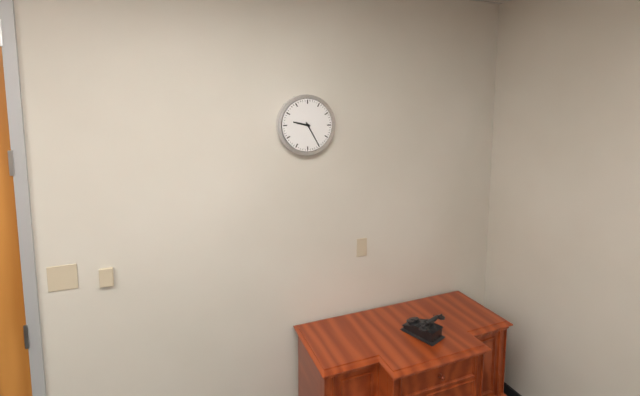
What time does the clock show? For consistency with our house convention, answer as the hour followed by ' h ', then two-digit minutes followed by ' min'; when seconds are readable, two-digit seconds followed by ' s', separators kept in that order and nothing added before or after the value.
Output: 9 h 25 min
